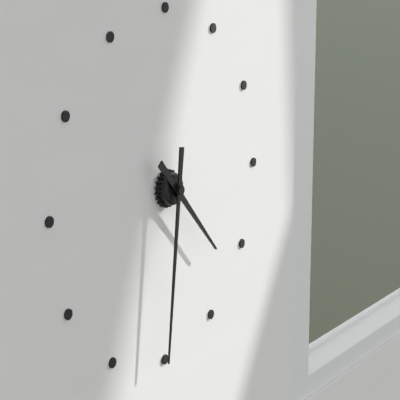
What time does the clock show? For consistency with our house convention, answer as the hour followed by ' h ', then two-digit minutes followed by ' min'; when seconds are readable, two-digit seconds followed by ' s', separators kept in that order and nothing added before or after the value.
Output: 4 h 31 min
